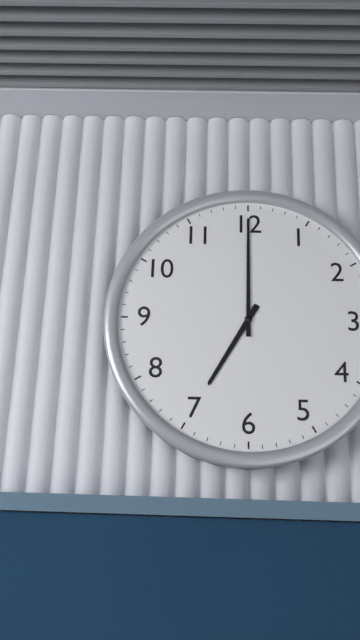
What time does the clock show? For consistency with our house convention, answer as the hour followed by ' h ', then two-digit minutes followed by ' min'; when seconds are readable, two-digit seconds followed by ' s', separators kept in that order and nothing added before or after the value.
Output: 7 h 00 min
